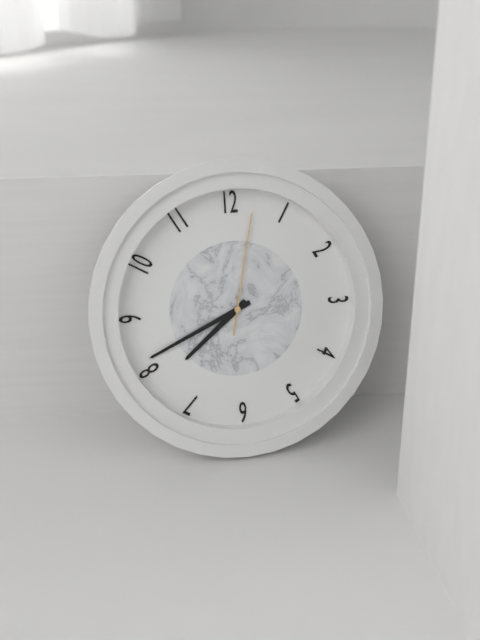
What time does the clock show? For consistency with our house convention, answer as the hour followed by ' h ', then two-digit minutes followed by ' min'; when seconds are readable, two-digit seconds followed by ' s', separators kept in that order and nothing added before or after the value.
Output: 7 h 41 min 02 s
